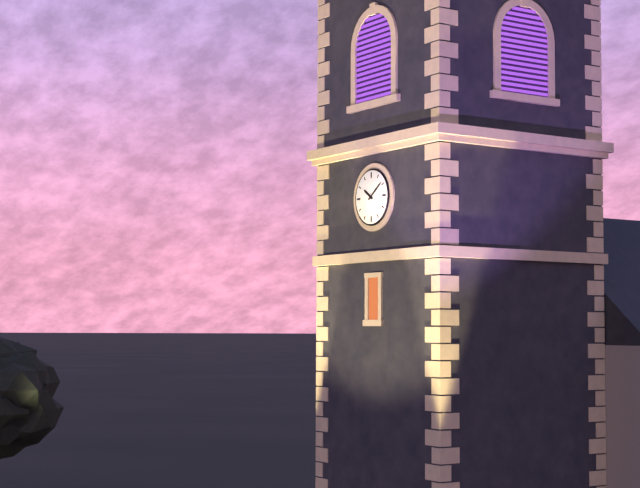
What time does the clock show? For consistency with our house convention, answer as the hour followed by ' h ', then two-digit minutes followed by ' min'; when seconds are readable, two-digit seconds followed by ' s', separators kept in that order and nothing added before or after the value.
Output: 10 h 09 min
